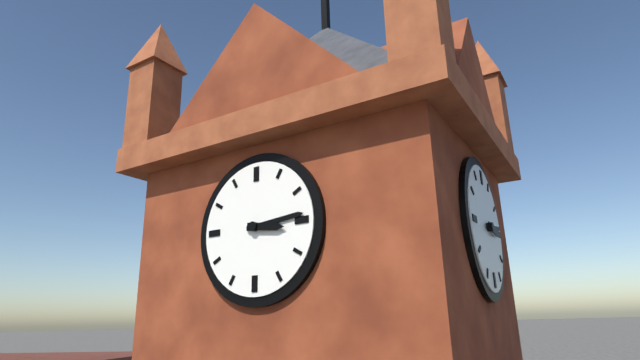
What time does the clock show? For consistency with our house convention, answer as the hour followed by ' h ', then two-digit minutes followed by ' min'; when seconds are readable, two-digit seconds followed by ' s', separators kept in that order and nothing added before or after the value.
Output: 3 h 14 min
